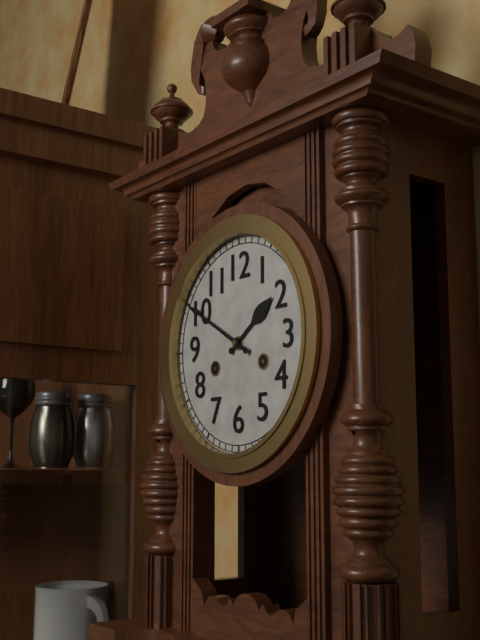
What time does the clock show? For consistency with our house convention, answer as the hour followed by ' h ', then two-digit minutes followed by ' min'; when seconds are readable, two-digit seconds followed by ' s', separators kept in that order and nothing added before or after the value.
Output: 1 h 50 min
